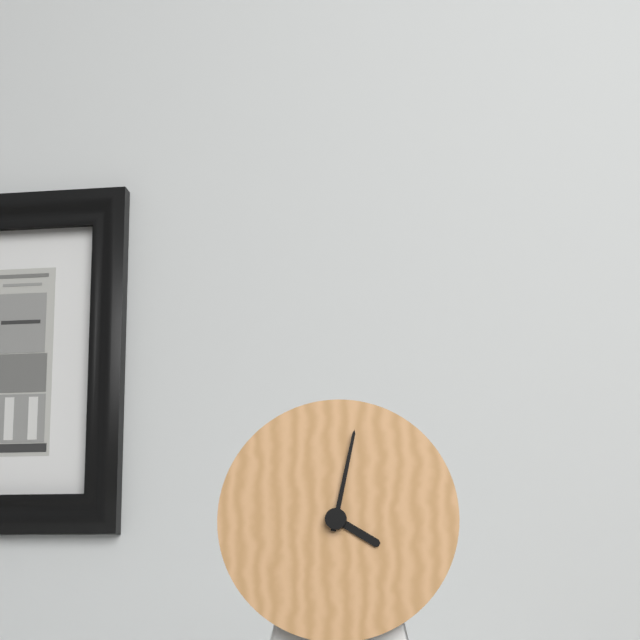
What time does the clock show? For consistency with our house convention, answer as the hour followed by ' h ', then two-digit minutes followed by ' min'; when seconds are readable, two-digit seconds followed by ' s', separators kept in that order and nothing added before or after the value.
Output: 4 h 02 min
